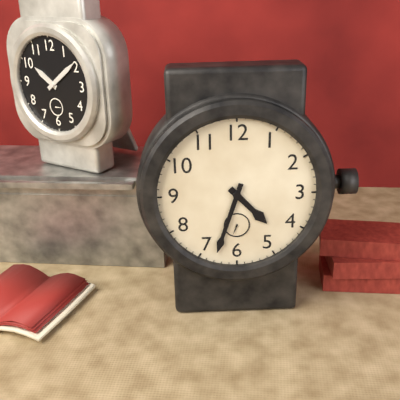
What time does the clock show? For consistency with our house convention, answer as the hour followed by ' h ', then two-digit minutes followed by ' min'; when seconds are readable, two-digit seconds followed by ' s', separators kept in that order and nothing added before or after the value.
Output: 4 h 33 min
